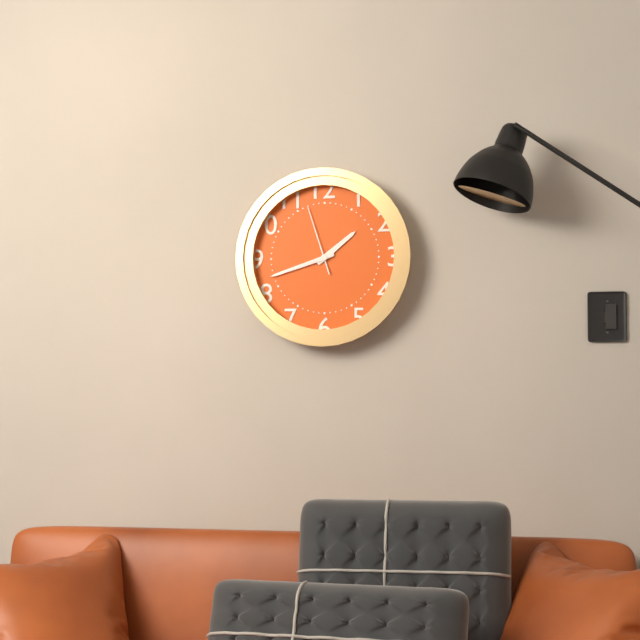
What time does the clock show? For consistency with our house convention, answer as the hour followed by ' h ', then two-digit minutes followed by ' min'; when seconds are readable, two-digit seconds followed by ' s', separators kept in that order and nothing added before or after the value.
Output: 1 h 42 min 57 s
